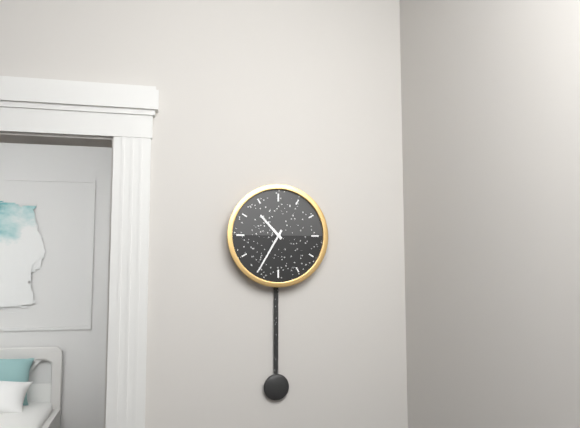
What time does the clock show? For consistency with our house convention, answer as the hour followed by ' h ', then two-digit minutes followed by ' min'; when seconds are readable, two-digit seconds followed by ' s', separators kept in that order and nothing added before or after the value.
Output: 10 h 35 min
